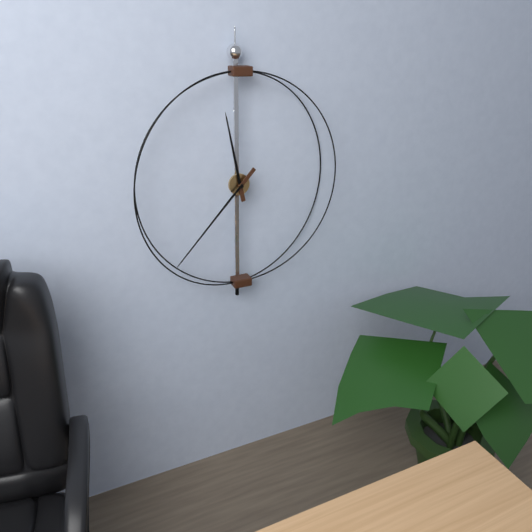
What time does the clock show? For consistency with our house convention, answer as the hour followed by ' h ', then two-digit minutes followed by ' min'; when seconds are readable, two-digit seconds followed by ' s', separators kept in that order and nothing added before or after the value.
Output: 11 h 37 min
